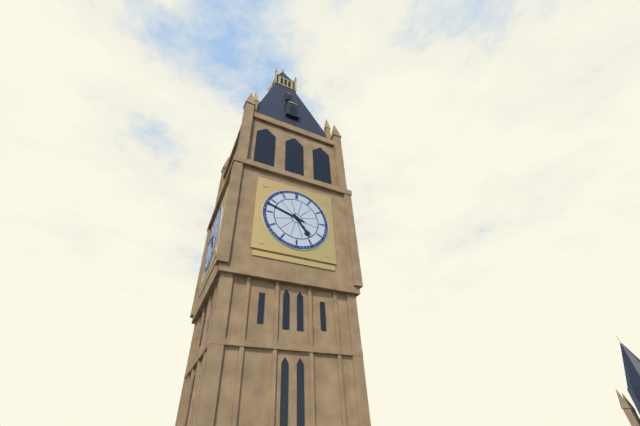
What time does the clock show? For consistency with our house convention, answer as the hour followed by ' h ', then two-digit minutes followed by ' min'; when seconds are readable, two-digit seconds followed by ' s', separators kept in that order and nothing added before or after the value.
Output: 4 h 48 min
